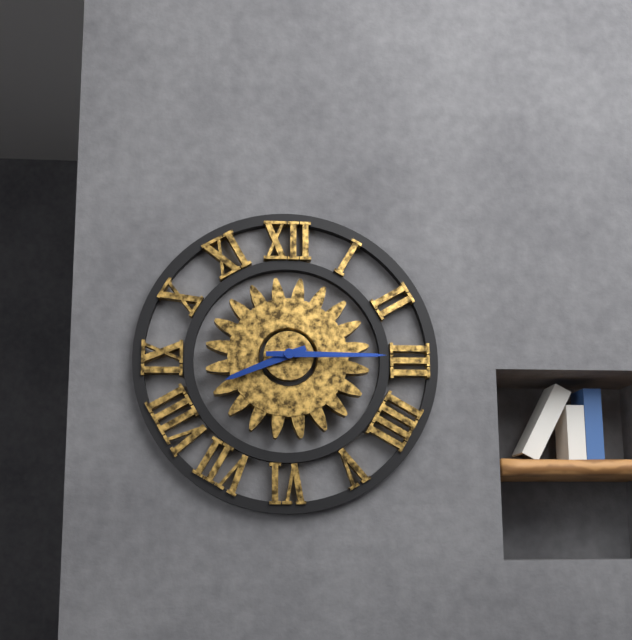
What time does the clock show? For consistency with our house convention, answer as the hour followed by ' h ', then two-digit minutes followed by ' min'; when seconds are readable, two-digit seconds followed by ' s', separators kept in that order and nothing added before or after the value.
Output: 8 h 15 min
